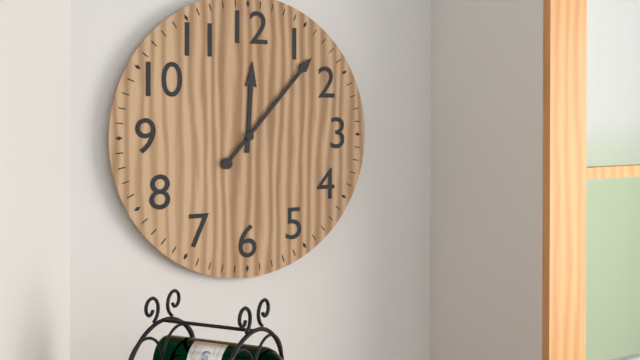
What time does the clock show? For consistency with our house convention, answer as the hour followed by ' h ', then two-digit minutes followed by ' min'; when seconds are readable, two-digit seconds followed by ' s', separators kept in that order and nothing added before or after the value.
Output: 12 h 07 min
